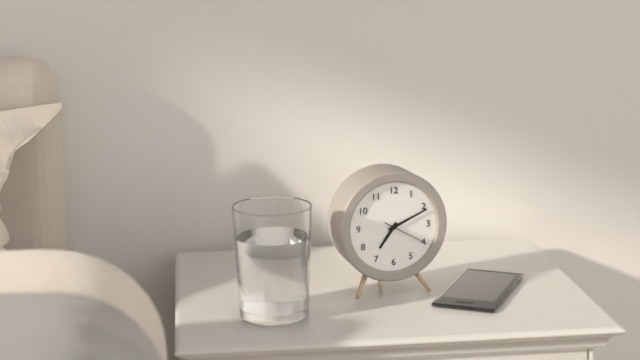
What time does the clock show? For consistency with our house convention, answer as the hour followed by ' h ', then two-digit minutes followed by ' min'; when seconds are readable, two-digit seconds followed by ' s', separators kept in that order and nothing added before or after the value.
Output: 7 h 11 min 20 s
